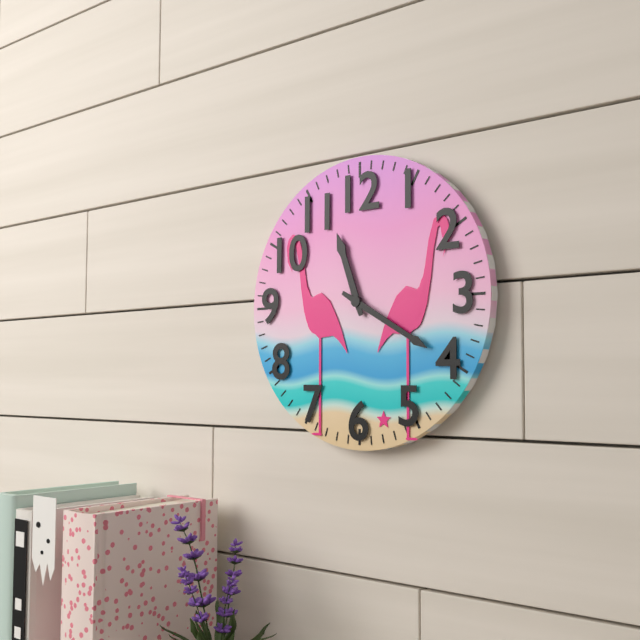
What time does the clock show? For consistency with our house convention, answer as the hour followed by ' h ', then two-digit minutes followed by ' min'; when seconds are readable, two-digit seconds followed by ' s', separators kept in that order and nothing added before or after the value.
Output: 11 h 20 min
